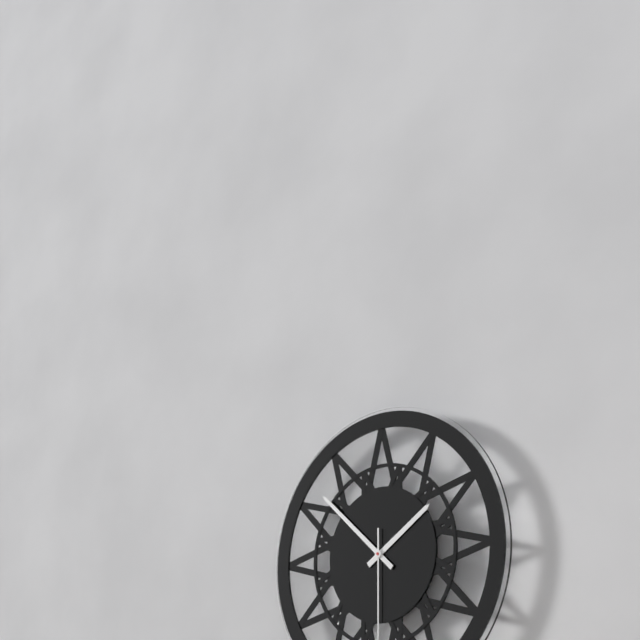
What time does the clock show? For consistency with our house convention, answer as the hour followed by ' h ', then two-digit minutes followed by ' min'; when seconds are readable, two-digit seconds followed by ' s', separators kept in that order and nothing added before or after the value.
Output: 1 h 52 min
